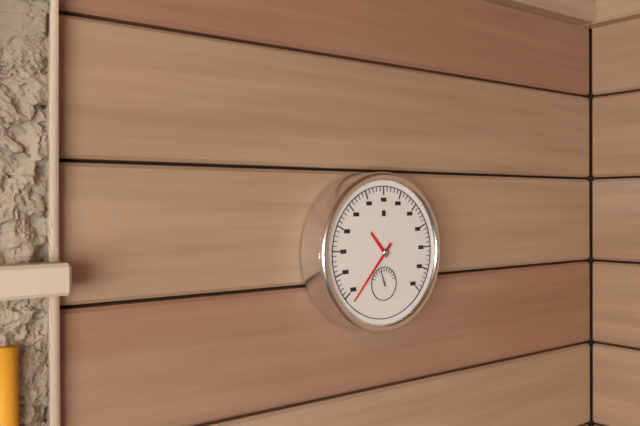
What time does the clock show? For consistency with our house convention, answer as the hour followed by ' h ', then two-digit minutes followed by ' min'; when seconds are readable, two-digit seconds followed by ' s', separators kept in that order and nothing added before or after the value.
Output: 10 h 37 min
